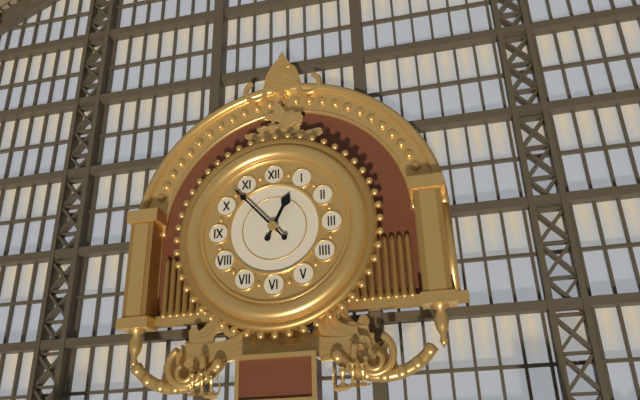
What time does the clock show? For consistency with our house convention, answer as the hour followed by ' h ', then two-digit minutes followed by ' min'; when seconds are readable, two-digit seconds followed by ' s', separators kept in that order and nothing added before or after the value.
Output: 12 h 53 min
